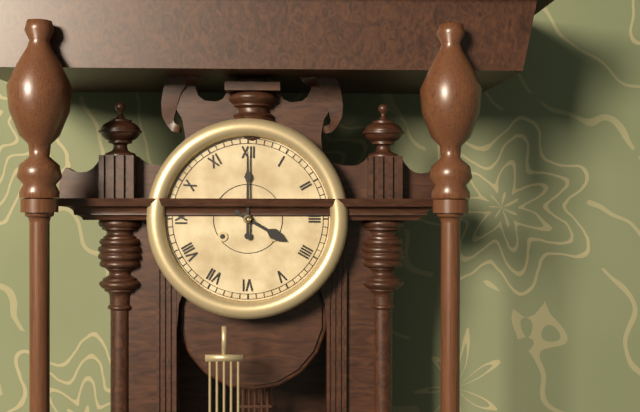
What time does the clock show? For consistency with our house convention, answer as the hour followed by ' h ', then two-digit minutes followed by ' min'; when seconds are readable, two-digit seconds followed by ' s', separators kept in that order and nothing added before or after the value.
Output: 4 h 00 min
